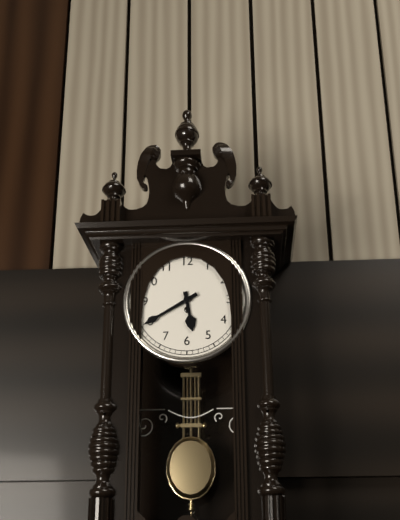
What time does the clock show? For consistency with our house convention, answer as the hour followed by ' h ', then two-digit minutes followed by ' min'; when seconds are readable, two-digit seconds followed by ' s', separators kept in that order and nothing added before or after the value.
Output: 5 h 40 min
